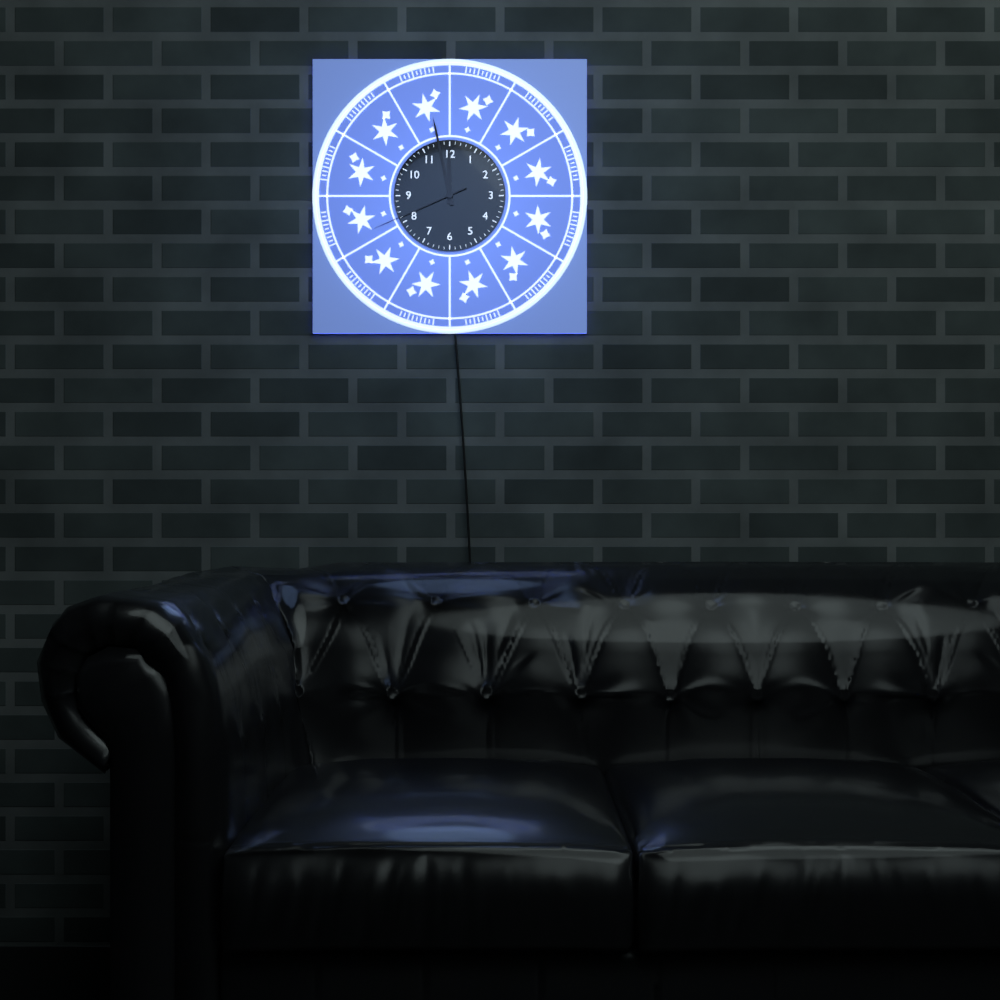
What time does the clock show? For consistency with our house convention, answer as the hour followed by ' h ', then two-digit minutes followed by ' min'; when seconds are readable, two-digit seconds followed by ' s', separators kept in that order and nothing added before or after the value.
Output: 11 h 58 min 41 s
